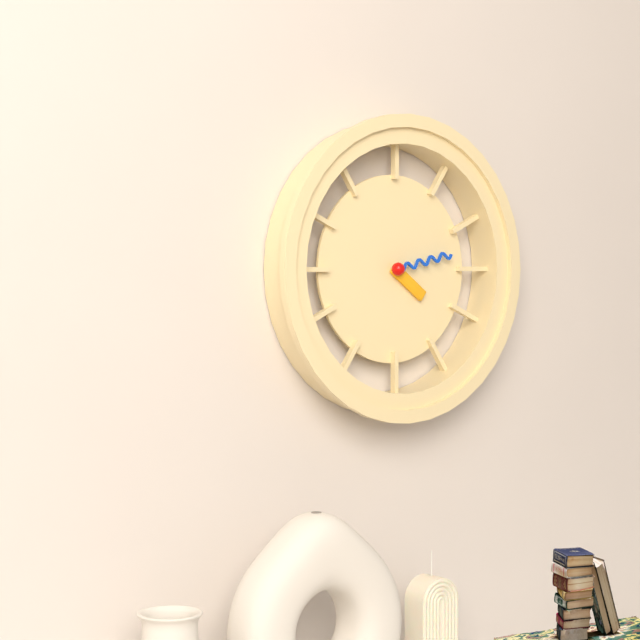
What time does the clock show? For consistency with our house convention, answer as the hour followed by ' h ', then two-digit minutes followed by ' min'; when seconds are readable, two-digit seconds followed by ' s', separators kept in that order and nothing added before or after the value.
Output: 4 h 13 min
